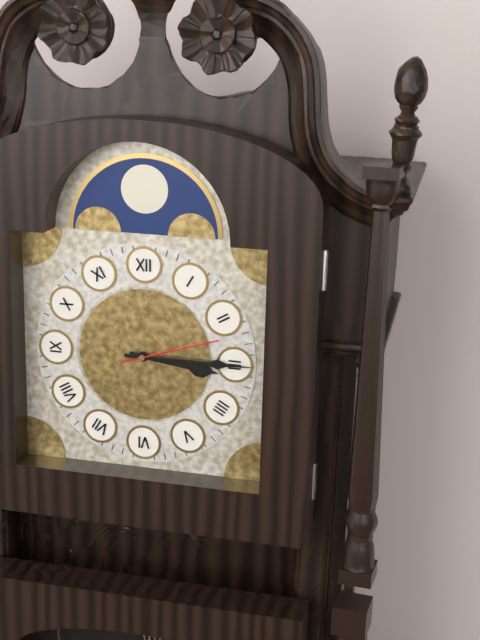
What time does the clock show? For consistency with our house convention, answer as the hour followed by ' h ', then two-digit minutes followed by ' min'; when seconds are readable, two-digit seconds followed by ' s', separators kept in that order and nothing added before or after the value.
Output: 3 h 15 min 12 s
